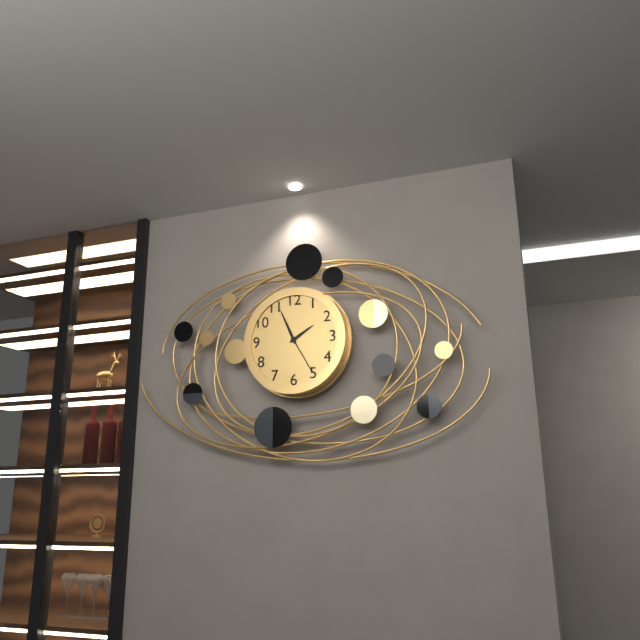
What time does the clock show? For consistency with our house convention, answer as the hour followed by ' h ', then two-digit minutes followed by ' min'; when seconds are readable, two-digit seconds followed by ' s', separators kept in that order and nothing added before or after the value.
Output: 1 h 56 min
